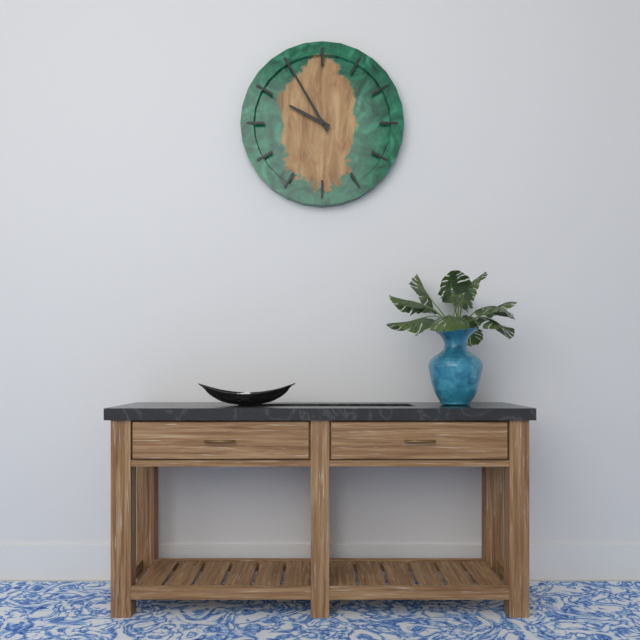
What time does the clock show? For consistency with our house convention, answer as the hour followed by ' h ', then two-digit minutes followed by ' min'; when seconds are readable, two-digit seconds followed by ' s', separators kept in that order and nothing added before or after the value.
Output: 9 h 55 min
